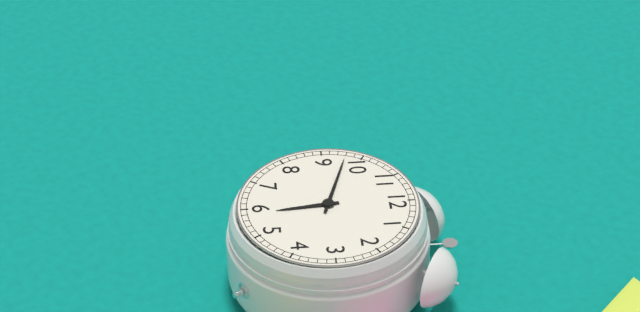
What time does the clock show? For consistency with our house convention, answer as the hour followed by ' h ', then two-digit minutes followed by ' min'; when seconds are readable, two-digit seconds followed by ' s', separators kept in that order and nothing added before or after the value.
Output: 5 h 48 min
